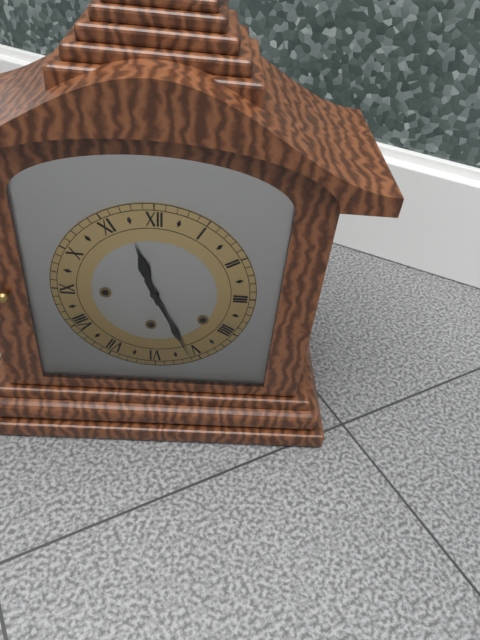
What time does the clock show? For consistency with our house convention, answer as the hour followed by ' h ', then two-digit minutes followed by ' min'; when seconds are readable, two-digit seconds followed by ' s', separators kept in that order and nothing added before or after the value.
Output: 11 h 26 min
